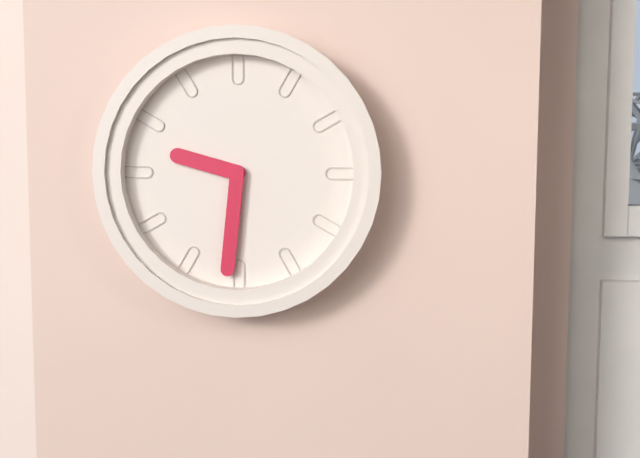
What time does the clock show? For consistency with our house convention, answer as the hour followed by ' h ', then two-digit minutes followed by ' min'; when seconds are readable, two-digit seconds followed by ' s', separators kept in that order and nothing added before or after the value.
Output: 9 h 31 min
